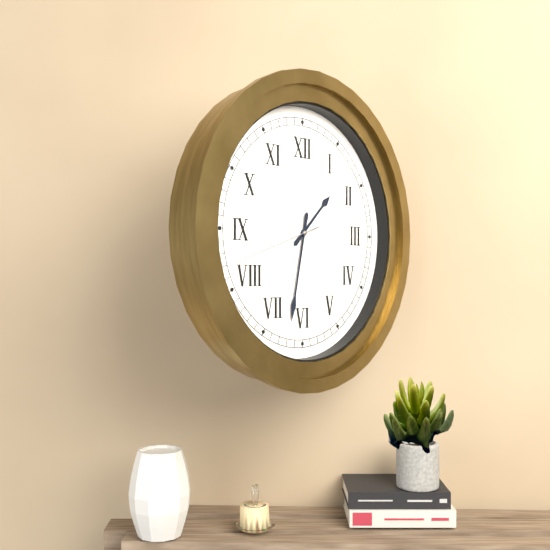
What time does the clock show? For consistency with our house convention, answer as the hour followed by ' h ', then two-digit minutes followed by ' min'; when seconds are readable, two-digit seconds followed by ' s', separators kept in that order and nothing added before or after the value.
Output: 1 h 32 min 42 s
